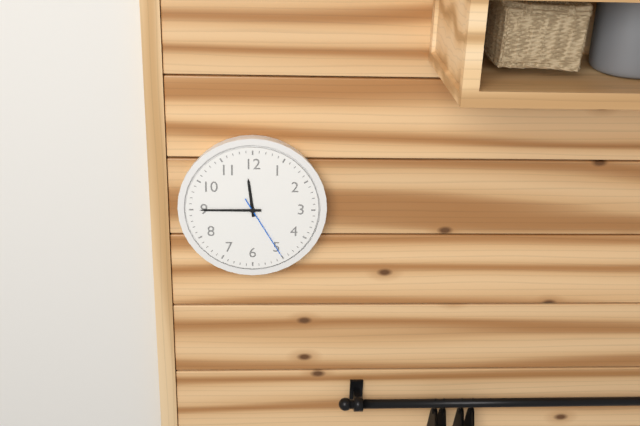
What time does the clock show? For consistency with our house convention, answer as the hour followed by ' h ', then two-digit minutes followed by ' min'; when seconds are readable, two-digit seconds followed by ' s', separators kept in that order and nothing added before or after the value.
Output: 11 h 45 min 25 s
